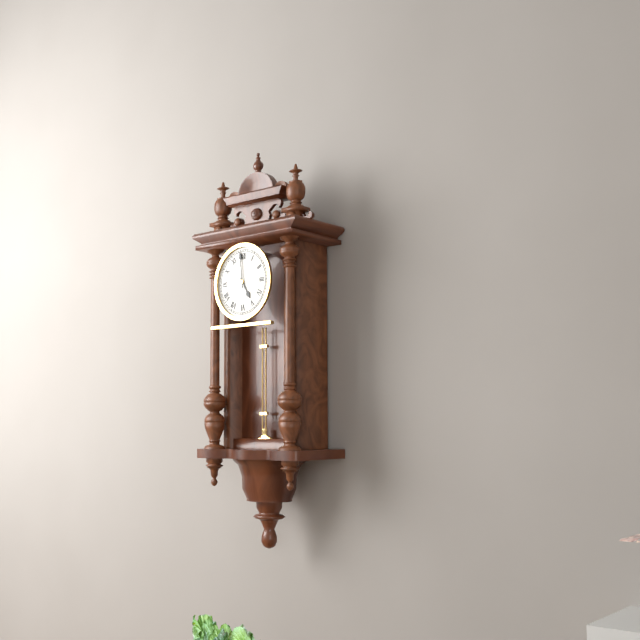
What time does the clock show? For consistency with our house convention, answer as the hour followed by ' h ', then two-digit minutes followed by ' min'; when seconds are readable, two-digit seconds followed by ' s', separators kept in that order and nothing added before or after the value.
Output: 4 h 59 min
